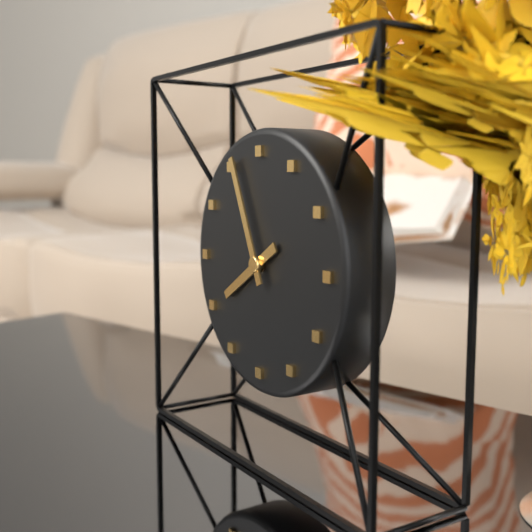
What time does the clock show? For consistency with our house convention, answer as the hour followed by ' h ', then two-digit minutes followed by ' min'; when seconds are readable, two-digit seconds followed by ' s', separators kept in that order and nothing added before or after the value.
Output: 7 h 56 min
